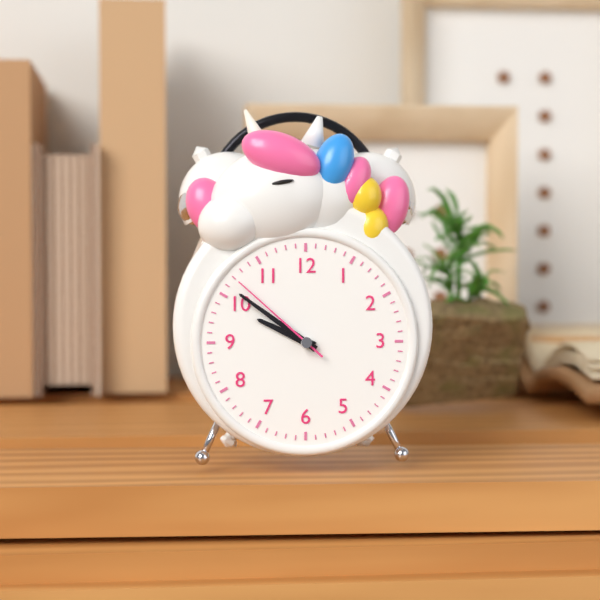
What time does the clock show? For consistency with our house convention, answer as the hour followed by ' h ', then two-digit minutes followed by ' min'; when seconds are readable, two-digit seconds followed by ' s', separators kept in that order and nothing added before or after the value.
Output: 9 h 51 min 52 s
